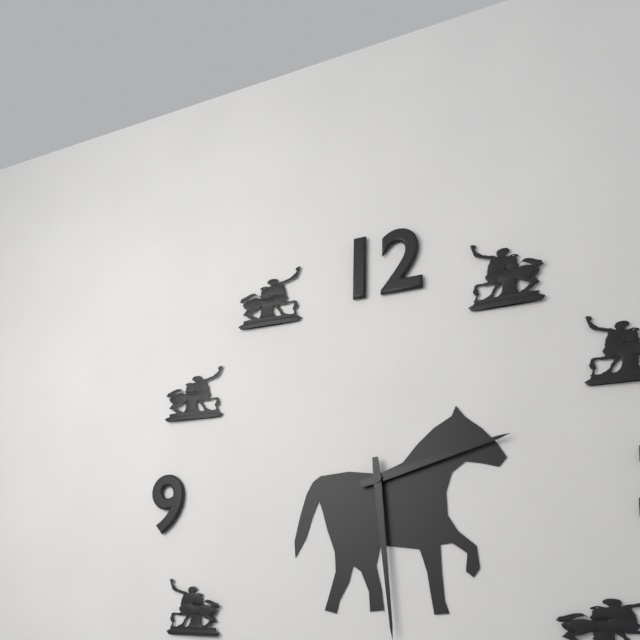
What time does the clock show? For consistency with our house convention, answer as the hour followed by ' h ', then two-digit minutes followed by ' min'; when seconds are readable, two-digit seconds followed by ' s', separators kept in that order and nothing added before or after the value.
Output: 2 h 29 min
